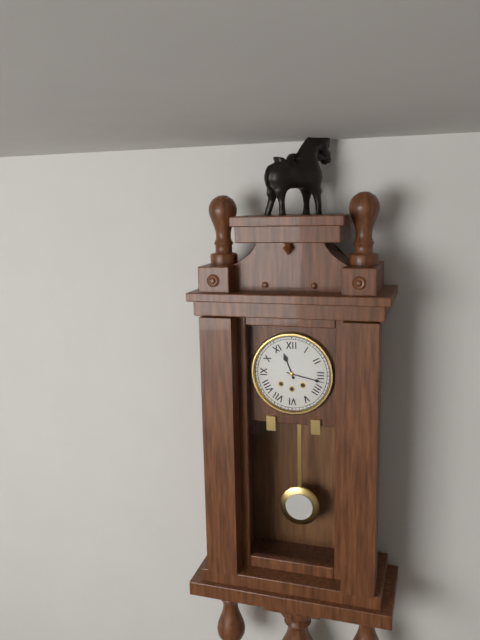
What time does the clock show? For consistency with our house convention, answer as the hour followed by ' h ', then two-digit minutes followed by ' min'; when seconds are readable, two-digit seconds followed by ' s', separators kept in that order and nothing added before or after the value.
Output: 11 h 17 min
